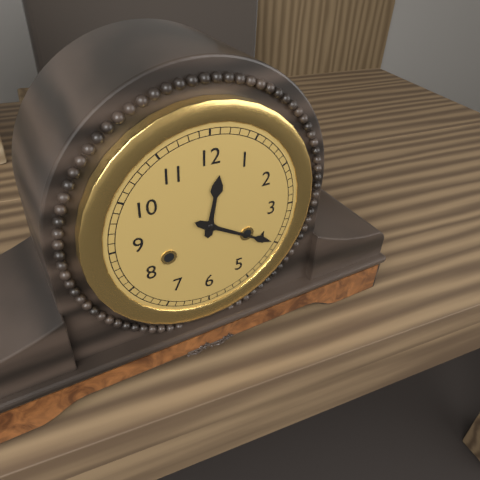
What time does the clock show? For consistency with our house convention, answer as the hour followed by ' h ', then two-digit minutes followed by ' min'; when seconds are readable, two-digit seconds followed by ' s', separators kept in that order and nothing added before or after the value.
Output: 12 h 20 min
